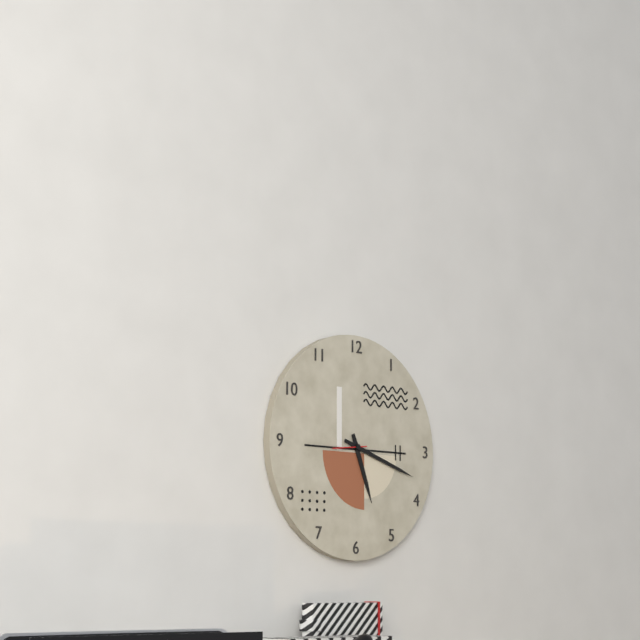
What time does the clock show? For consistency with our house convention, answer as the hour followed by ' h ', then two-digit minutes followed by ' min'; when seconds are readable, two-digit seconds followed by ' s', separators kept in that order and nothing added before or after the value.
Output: 5 h 18 min
